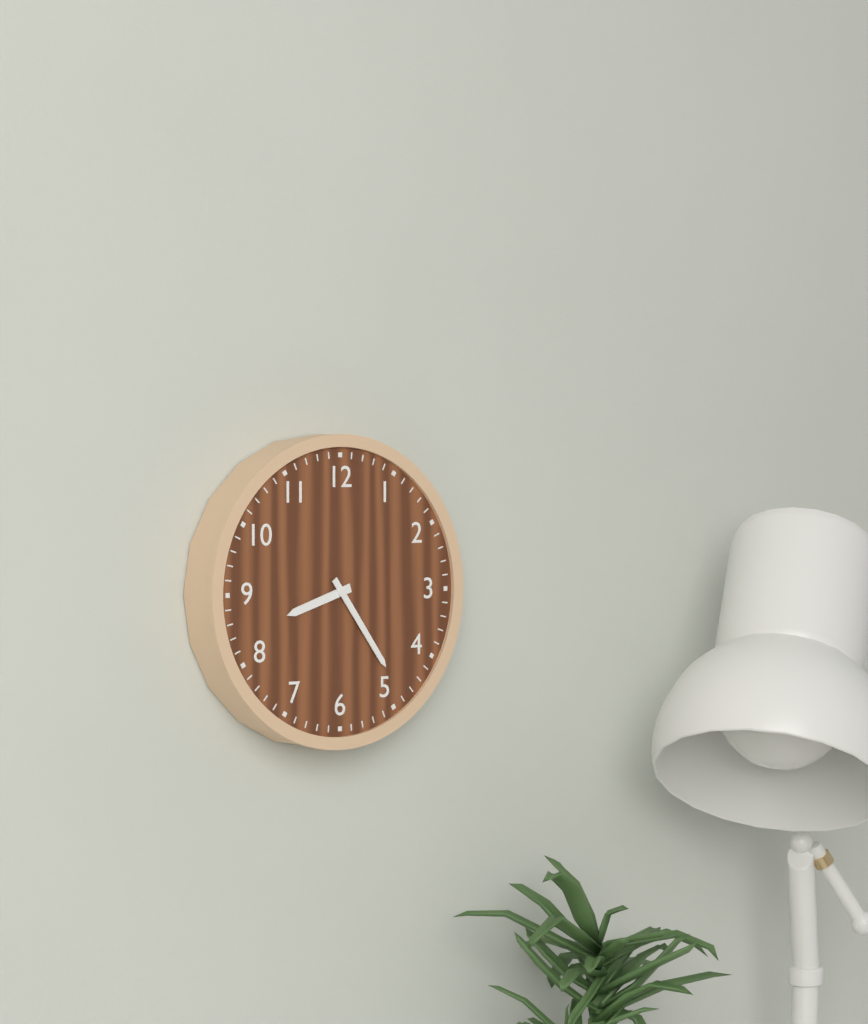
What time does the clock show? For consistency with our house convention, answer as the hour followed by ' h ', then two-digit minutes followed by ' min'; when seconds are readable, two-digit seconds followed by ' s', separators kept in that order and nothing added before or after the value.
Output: 8 h 24 min
